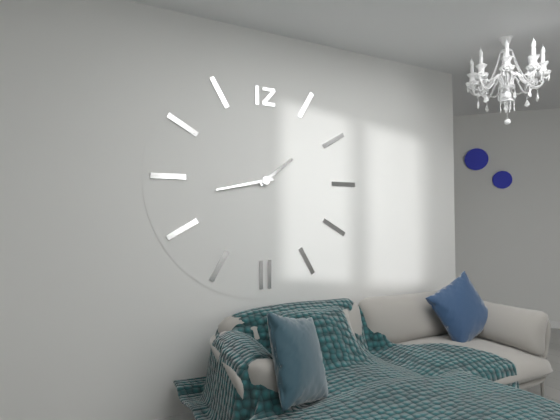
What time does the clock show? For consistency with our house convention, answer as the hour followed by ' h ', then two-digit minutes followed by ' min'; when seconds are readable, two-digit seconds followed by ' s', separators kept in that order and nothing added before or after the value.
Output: 1 h 43 min
